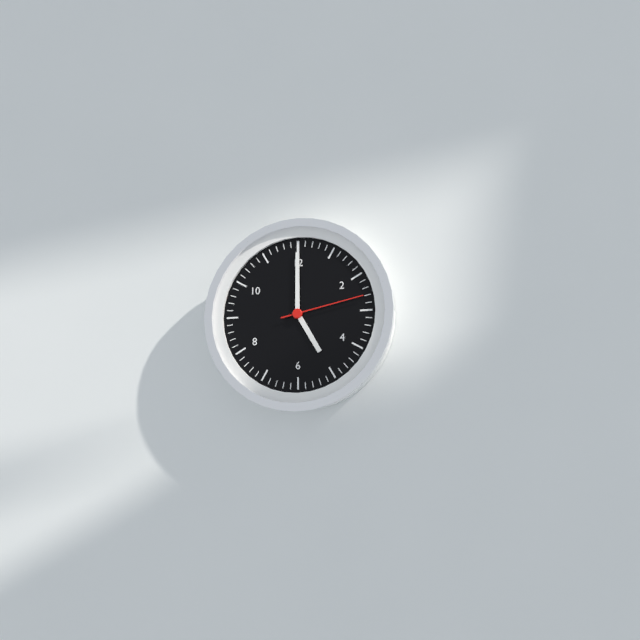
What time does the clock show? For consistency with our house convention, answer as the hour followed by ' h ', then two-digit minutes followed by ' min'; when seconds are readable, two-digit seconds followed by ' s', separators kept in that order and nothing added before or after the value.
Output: 5 h 00 min 13 s
